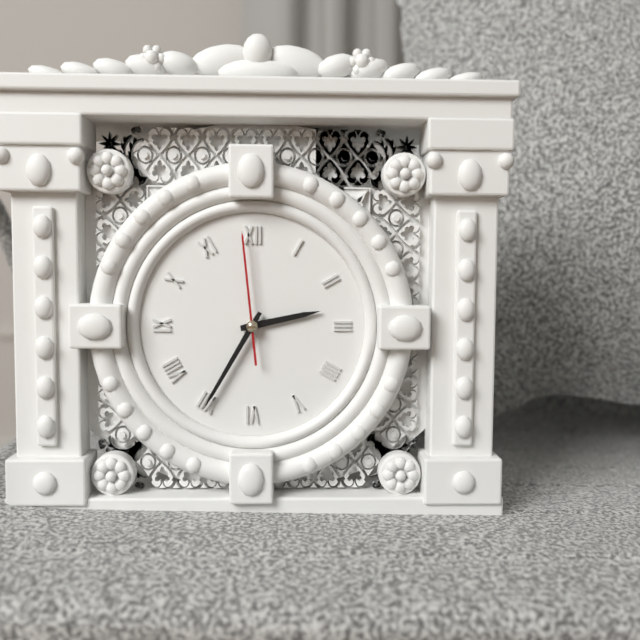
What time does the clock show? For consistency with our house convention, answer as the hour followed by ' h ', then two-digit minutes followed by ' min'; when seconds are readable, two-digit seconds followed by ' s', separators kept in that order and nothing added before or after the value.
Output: 2 h 35 min 59 s
